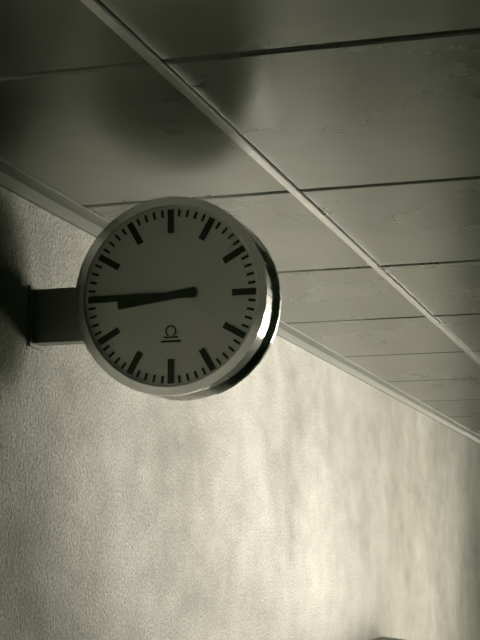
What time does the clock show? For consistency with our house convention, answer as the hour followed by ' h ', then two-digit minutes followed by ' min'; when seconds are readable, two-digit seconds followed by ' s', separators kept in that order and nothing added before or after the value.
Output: 8 h 45 min
